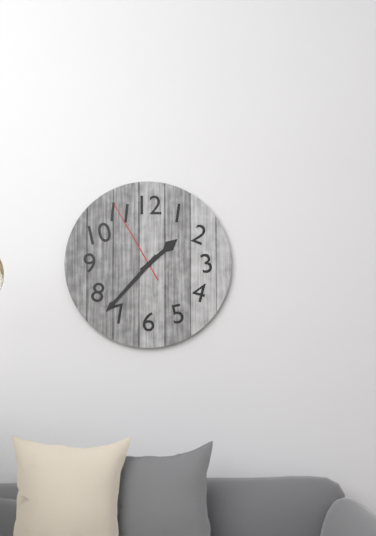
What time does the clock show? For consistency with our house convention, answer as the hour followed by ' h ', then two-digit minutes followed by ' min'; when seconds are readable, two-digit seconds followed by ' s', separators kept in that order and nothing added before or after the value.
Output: 1 h 37 min 55 s
